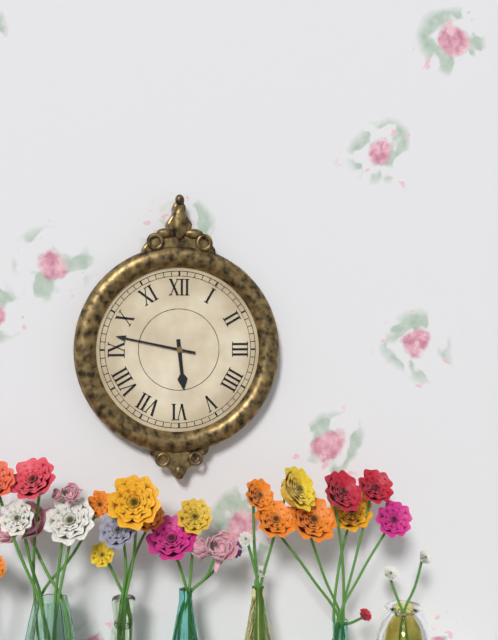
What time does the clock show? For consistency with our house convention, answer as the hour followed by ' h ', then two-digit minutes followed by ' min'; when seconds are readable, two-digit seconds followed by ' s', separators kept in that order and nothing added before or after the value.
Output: 5 h 47 min
